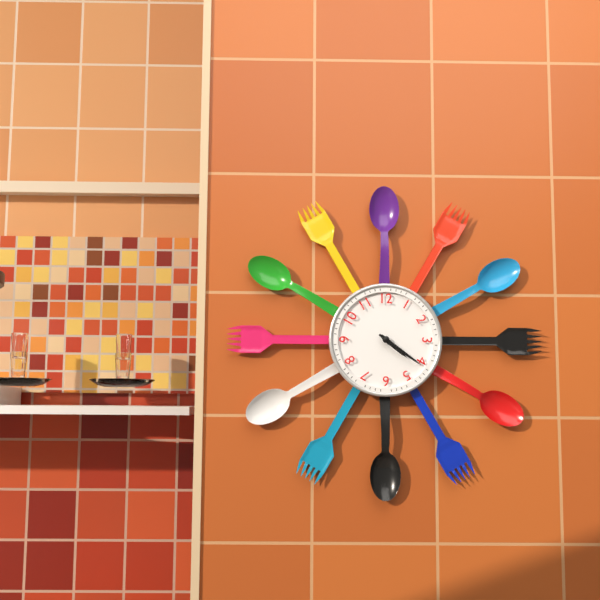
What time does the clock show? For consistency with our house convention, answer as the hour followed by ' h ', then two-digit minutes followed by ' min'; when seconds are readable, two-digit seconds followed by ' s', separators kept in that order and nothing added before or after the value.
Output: 4 h 21 min
